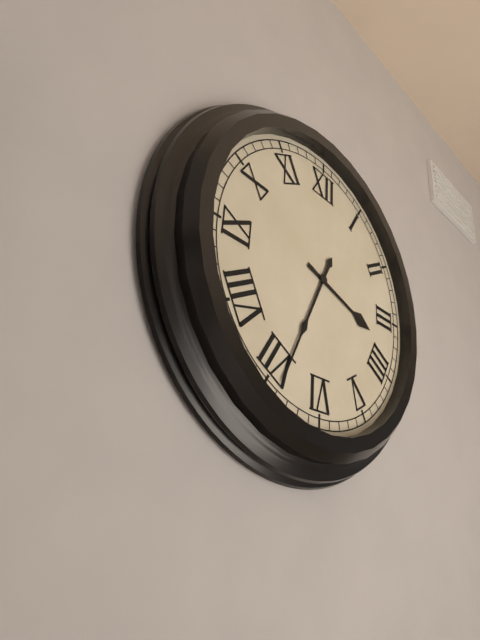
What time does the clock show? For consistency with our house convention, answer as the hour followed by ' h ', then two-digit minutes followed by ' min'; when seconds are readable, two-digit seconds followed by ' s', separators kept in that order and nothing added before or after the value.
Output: 3 h 34 min
